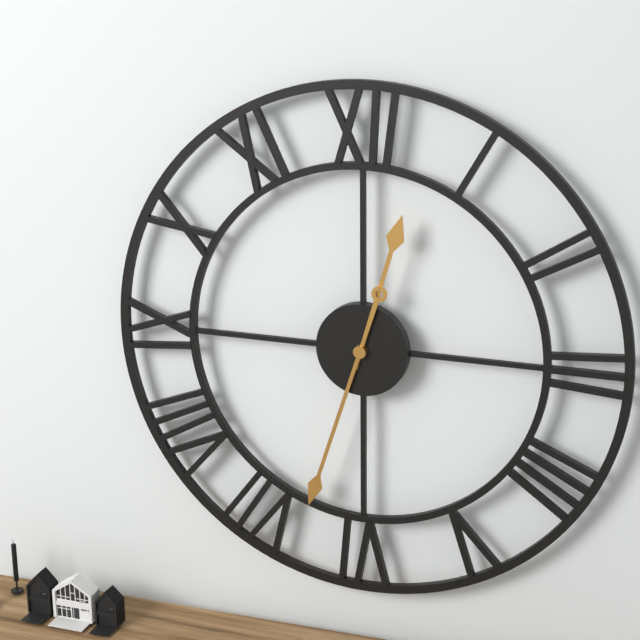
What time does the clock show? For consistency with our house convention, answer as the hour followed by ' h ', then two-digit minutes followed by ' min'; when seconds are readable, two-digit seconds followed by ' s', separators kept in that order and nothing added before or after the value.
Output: 12 h 33 min
